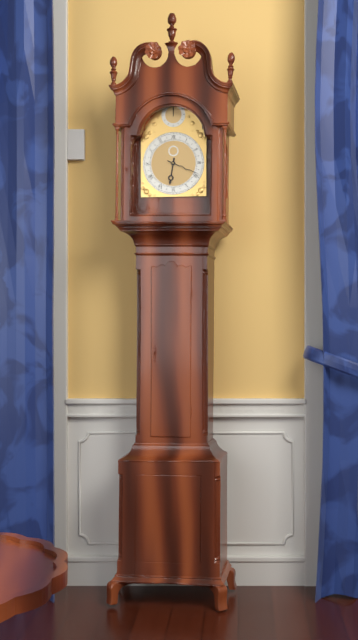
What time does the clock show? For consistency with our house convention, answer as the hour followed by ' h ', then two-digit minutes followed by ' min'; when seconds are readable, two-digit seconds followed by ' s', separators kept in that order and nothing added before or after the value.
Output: 6 h 19 min
